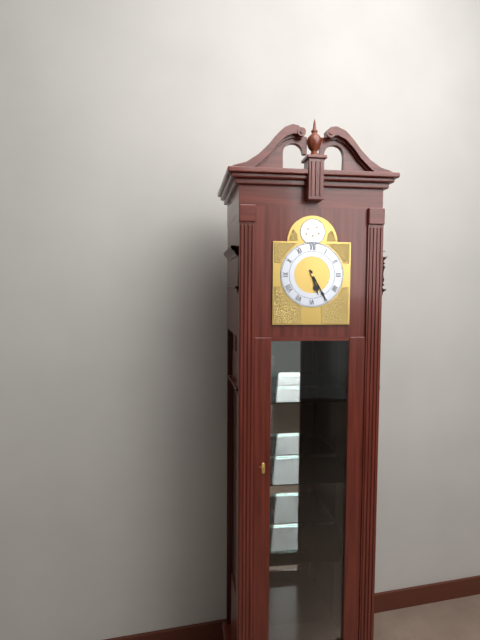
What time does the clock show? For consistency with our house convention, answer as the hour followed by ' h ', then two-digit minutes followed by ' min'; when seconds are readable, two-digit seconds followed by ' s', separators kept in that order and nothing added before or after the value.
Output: 5 h 25 min
